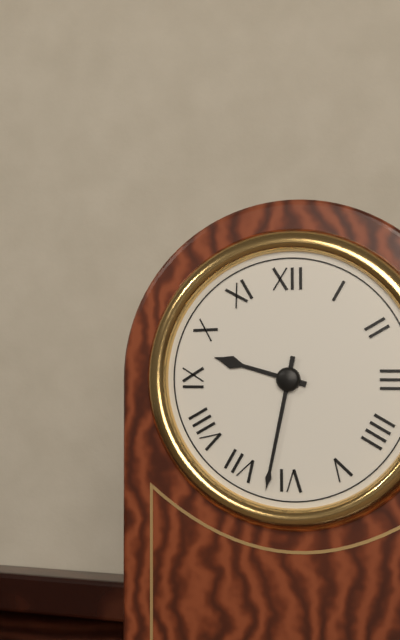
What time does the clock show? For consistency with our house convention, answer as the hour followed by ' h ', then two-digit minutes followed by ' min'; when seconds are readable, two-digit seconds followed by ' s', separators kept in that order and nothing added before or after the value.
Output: 9 h 32 min
